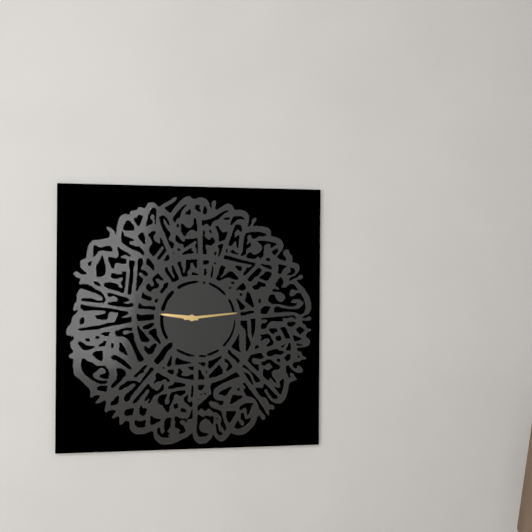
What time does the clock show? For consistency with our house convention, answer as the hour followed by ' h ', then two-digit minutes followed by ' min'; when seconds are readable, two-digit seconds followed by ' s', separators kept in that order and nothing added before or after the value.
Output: 9 h 14 min
